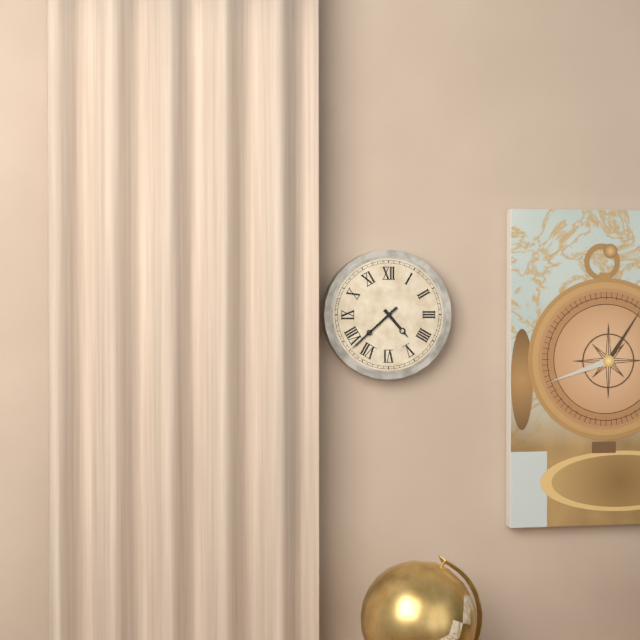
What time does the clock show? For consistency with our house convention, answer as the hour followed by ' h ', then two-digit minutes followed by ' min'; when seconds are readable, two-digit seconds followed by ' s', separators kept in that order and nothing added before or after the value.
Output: 4 h 38 min
